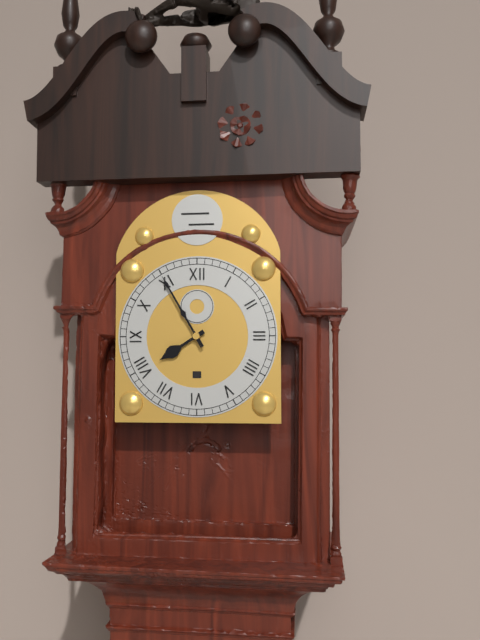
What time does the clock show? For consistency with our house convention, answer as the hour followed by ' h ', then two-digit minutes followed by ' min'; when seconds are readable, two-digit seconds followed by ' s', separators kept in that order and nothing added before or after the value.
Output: 7 h 55 min
